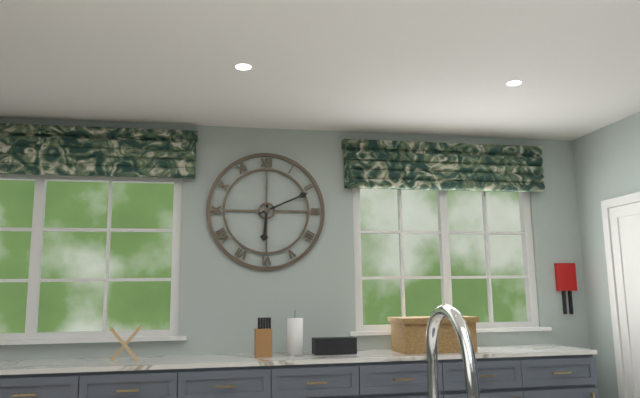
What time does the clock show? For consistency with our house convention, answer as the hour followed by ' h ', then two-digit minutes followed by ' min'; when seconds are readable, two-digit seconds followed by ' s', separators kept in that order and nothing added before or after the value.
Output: 6 h 11 min
